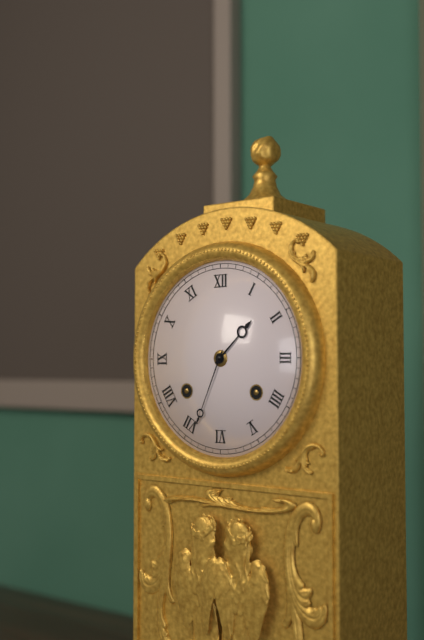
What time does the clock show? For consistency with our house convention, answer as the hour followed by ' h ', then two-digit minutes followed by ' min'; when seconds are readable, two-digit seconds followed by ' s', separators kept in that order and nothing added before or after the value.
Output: 1 h 34 min
